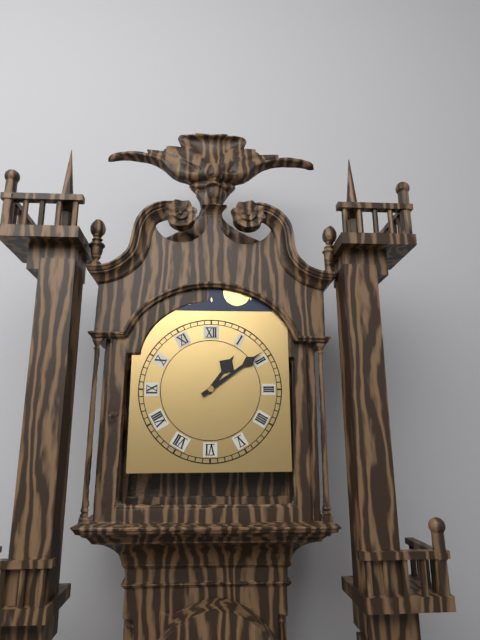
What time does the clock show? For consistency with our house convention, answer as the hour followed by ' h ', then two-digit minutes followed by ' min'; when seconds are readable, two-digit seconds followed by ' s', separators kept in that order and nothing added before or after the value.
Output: 1 h 09 min
